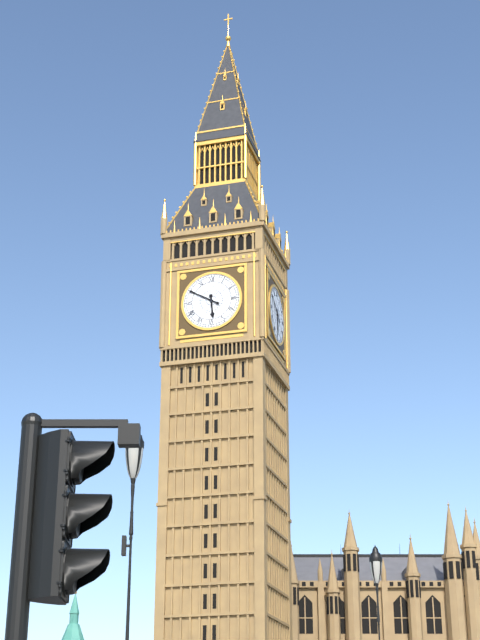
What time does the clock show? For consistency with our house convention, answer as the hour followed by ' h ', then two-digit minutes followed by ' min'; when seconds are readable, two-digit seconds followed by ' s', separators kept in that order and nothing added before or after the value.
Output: 5 h 50 min
